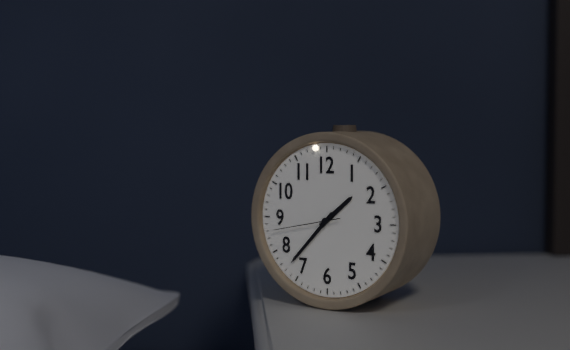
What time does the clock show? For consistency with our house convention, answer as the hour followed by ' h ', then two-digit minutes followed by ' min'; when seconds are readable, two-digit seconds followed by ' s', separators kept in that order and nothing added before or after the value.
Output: 1 h 37 min 43 s
